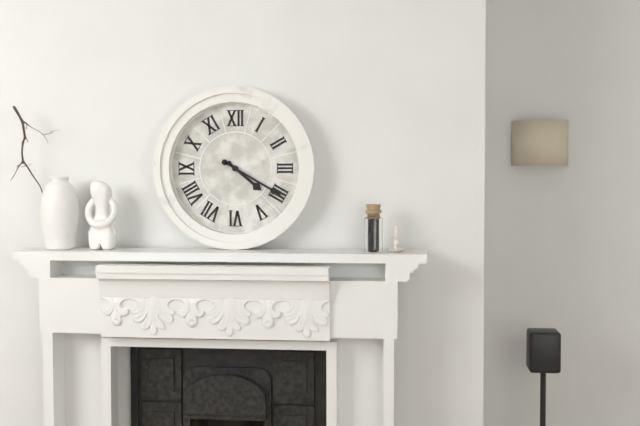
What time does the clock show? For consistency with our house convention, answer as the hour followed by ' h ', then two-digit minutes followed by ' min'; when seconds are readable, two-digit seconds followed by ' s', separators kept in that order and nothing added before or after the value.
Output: 4 h 20 min
